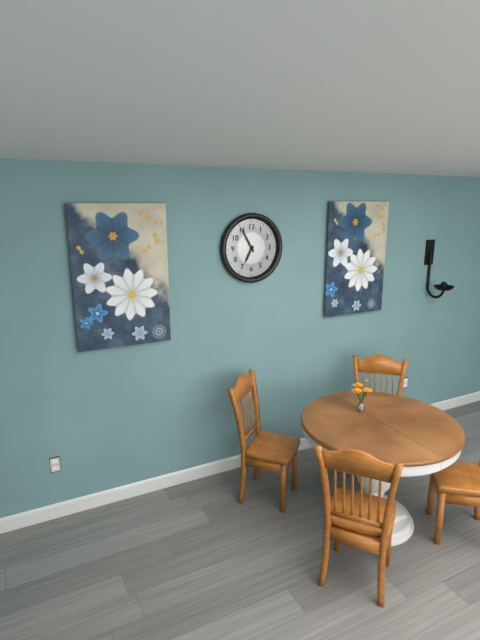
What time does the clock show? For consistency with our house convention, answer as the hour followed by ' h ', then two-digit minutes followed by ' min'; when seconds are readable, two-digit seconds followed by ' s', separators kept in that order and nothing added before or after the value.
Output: 6 h 55 min
